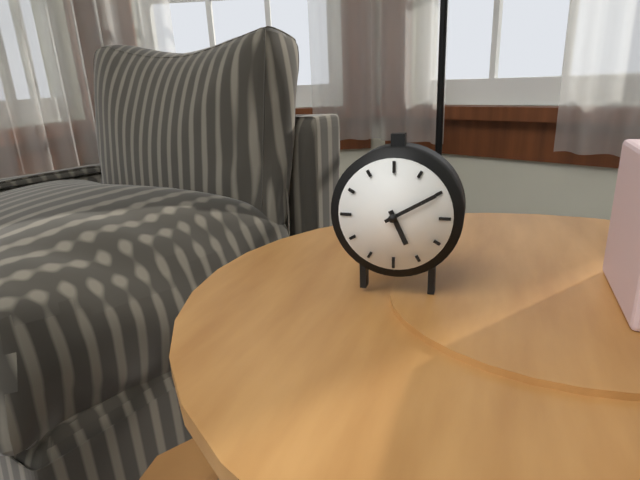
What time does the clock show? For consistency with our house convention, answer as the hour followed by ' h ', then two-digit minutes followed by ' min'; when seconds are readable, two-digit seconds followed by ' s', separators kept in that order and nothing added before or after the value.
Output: 5 h 10 min
